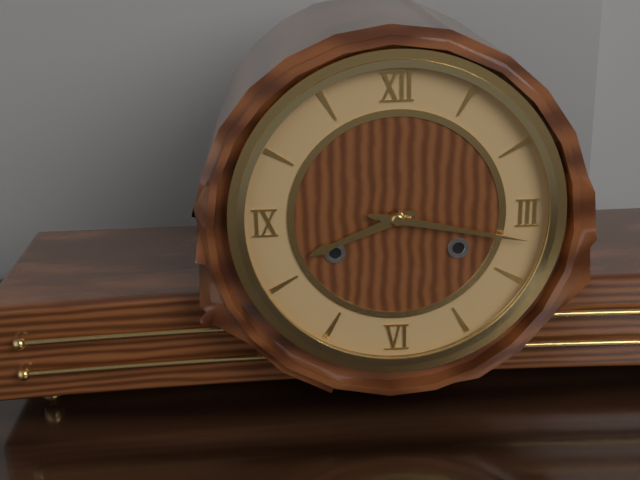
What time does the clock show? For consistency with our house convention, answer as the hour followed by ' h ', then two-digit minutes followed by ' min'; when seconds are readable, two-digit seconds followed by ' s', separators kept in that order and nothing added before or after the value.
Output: 8 h 17 min
